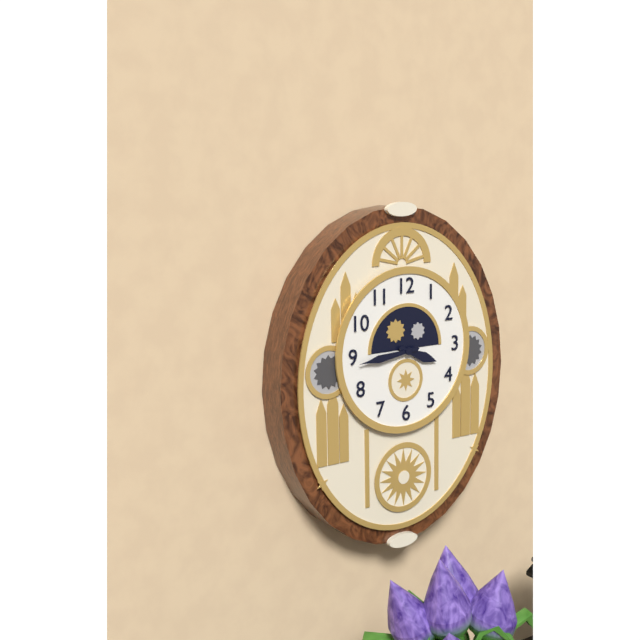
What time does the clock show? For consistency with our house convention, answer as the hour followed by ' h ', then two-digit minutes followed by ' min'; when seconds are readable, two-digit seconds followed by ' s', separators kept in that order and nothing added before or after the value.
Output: 3 h 44 min
